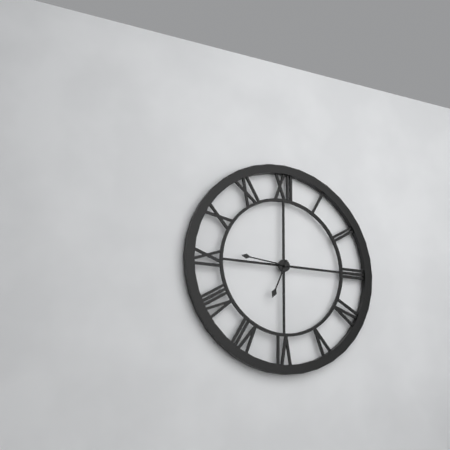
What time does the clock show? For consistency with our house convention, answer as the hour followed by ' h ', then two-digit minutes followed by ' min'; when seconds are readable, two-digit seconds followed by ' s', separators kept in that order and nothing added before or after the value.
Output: 6 h 46 min
